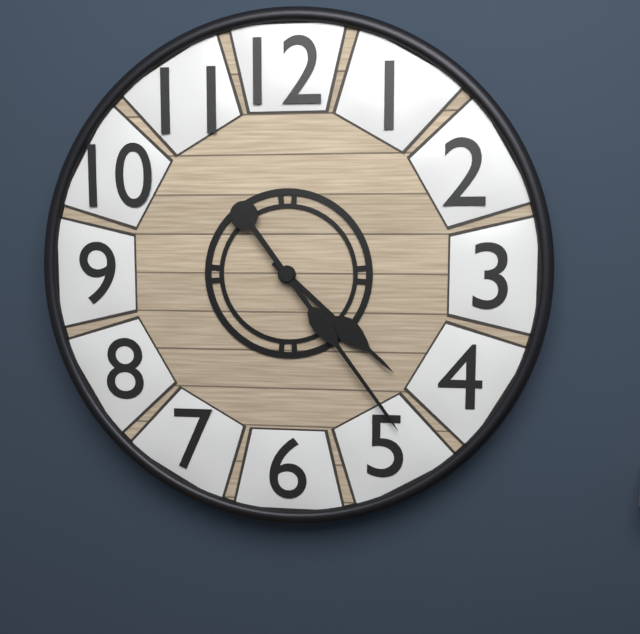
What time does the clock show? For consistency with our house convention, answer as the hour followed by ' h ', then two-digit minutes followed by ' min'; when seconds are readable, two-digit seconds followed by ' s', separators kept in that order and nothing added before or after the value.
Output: 4 h 24 min
